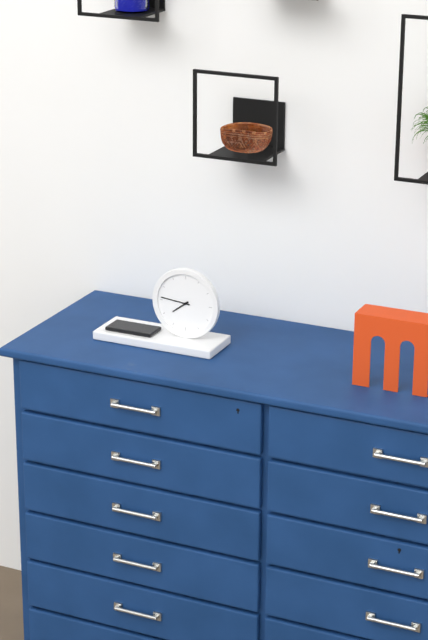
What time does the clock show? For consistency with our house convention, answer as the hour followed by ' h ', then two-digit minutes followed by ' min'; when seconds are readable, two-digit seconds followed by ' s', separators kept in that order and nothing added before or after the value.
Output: 7 h 46 min
